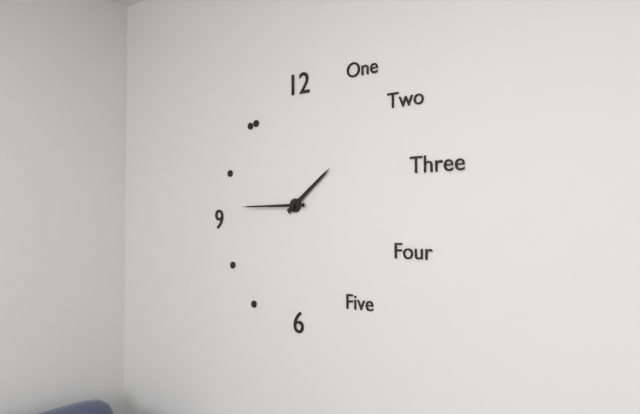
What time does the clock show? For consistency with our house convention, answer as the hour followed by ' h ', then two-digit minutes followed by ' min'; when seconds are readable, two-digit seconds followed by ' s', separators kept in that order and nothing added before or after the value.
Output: 1 h 45 min
